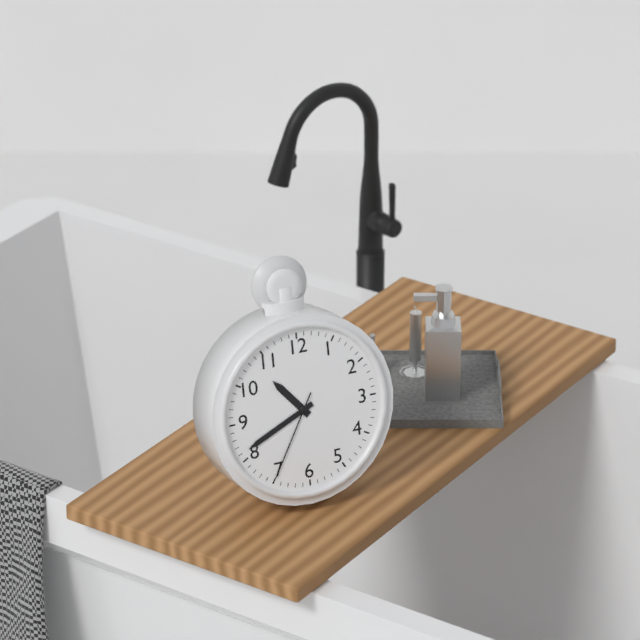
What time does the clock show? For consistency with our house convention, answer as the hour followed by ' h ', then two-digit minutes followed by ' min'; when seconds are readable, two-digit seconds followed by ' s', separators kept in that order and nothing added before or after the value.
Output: 10 h 41 min 35 s
